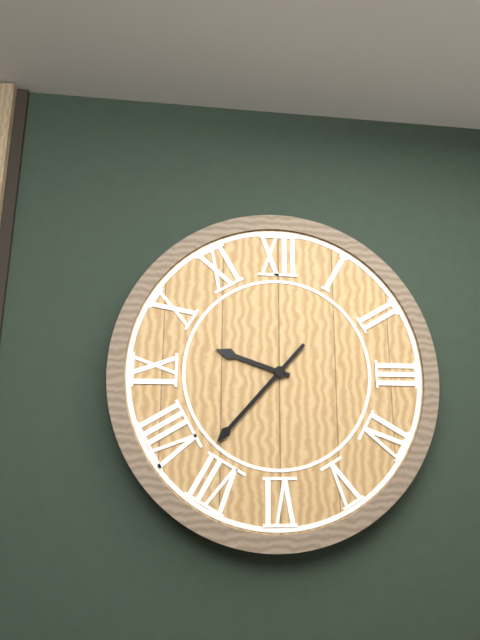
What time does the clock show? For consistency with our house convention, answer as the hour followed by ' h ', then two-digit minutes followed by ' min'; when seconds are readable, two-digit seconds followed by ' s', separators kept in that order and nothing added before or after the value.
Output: 9 h 37 min
